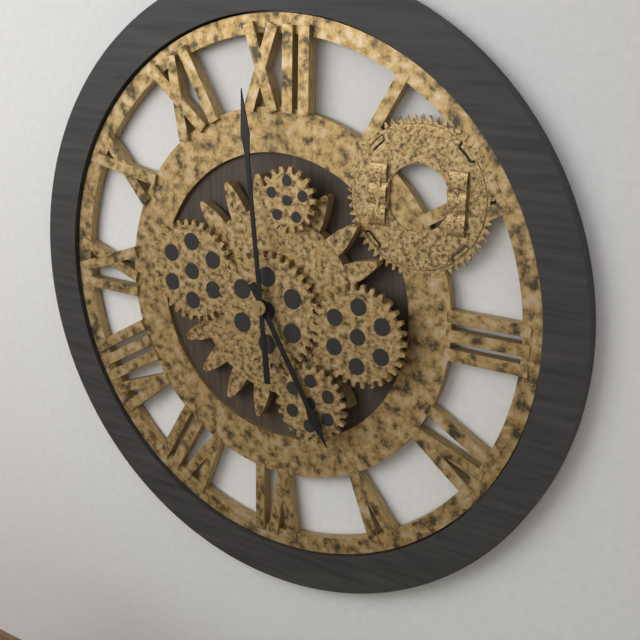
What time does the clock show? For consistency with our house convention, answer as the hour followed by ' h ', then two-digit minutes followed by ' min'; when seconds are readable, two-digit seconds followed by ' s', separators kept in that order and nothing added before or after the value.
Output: 4 h 59 min
